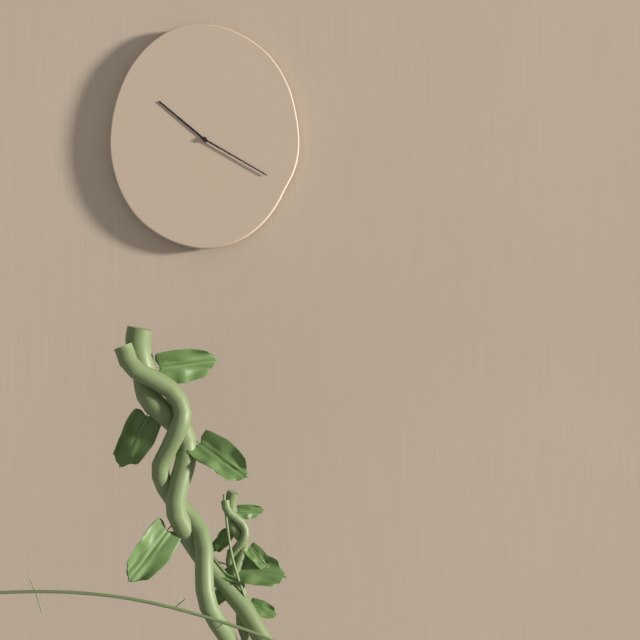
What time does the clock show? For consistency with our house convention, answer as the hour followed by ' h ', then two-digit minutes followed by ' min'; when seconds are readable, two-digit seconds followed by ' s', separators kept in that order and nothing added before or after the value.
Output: 10 h 20 min
